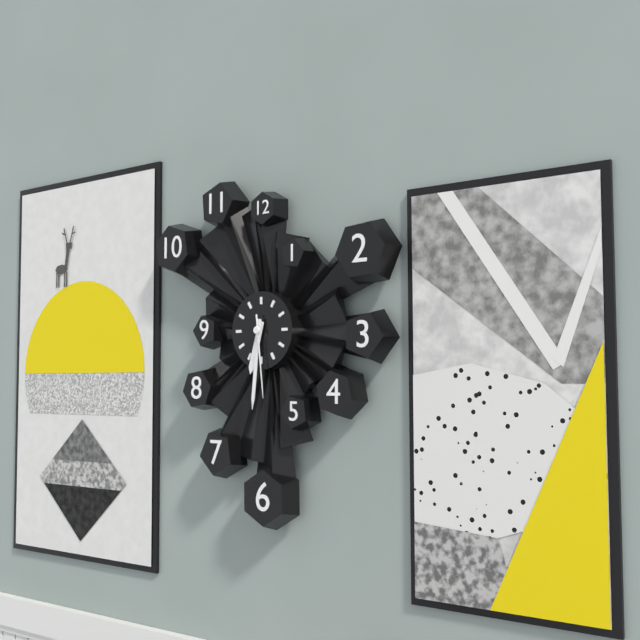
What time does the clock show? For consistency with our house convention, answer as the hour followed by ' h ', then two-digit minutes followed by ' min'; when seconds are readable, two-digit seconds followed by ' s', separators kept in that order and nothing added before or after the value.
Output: 6 h 31 min 29 s
